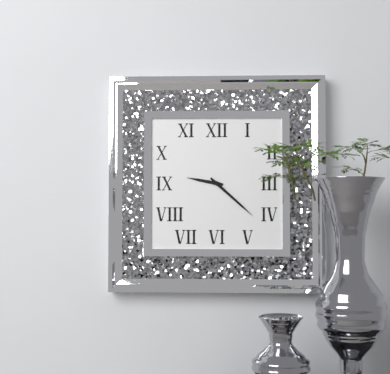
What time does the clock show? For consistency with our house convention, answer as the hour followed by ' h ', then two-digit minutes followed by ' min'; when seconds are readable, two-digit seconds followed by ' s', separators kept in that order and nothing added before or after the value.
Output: 9 h 22 min
